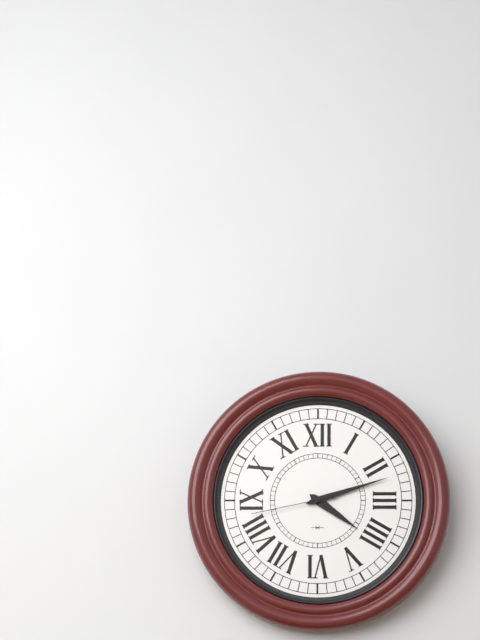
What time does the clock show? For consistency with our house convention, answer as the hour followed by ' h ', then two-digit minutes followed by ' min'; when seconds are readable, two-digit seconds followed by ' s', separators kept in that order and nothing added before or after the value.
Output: 4 h 12 min 43 s
